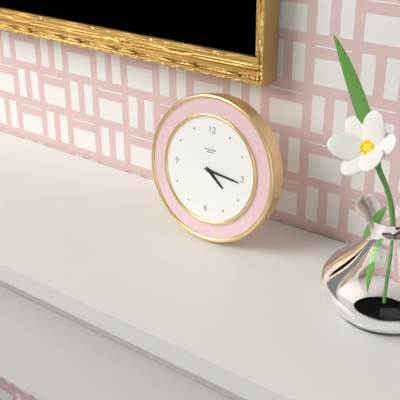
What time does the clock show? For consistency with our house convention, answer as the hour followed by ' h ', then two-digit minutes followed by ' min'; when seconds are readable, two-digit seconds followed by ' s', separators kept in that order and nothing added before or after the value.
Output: 4 h 16 min
